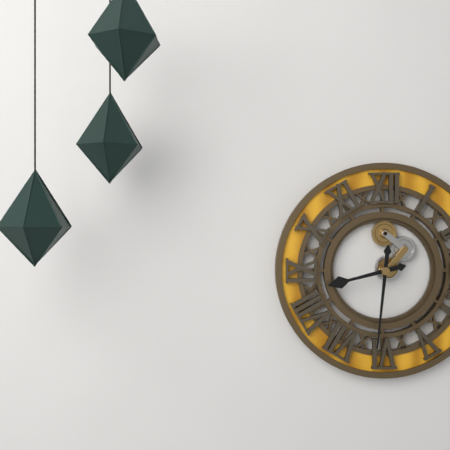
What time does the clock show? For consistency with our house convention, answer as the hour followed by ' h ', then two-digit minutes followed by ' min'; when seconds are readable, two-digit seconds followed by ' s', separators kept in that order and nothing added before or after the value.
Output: 8 h 31 min
